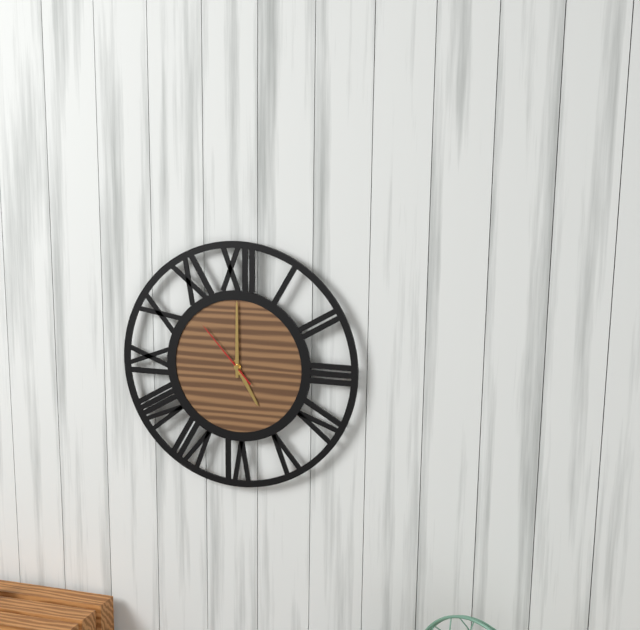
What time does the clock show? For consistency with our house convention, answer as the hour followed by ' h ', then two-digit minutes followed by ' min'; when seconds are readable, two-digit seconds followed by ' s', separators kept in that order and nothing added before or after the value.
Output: 5 h 00 min 53 s
